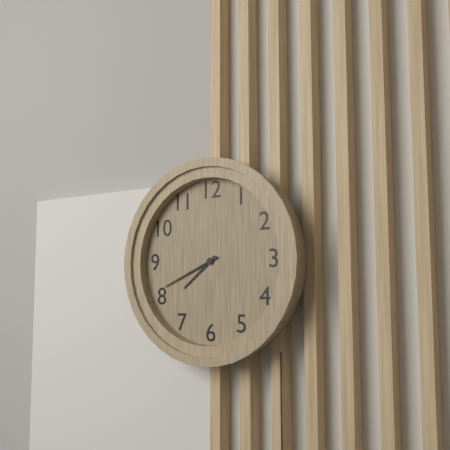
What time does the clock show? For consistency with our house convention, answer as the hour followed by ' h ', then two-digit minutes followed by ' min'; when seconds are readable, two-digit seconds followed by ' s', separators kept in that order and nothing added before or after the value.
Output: 7 h 41 min
